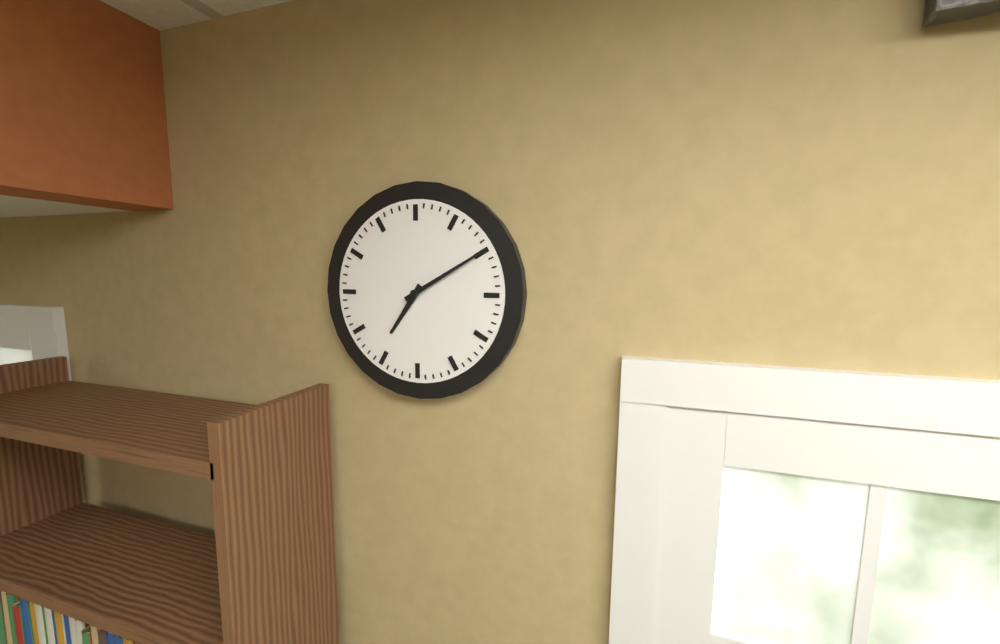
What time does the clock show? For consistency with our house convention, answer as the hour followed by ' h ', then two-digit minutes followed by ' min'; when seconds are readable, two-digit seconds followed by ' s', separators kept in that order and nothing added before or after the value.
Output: 7 h 10 min
